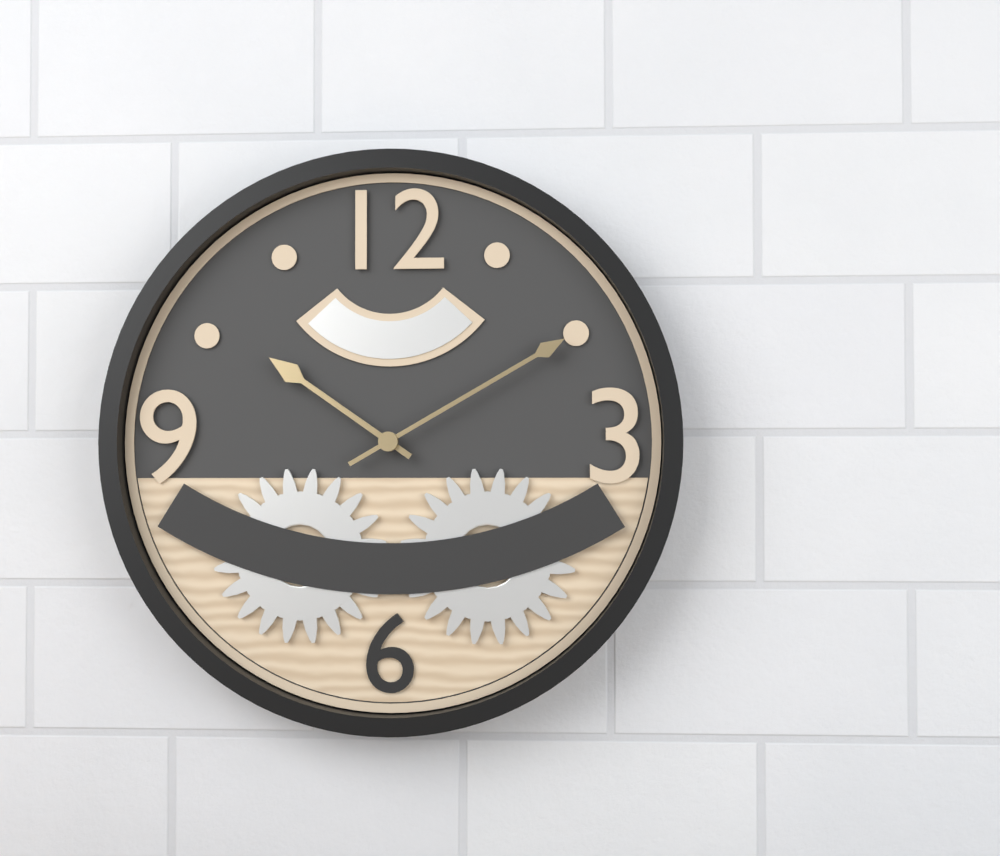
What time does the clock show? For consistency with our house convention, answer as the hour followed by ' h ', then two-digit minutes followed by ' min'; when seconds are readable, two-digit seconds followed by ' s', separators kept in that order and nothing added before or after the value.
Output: 10 h 10 min
